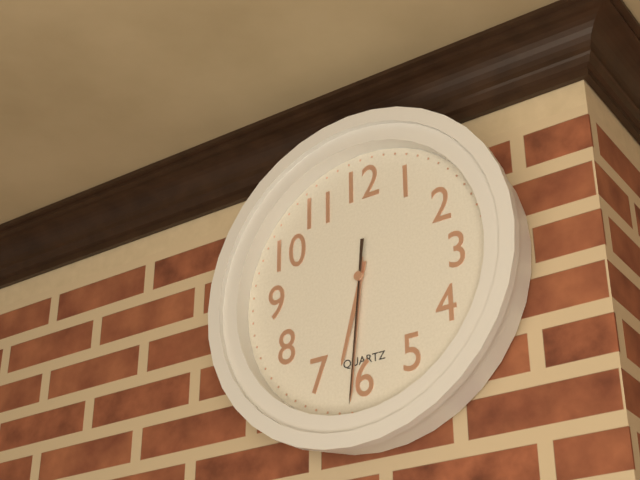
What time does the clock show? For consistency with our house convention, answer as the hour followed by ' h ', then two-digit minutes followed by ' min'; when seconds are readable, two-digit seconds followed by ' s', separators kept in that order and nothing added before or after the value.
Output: 6 h 31 min 31 s
